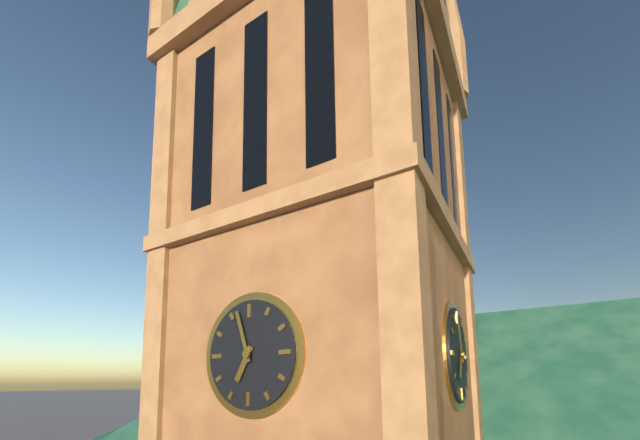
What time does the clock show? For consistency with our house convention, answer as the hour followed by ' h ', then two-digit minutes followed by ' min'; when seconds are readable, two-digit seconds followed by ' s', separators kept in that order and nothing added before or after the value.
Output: 6 h 57 min
